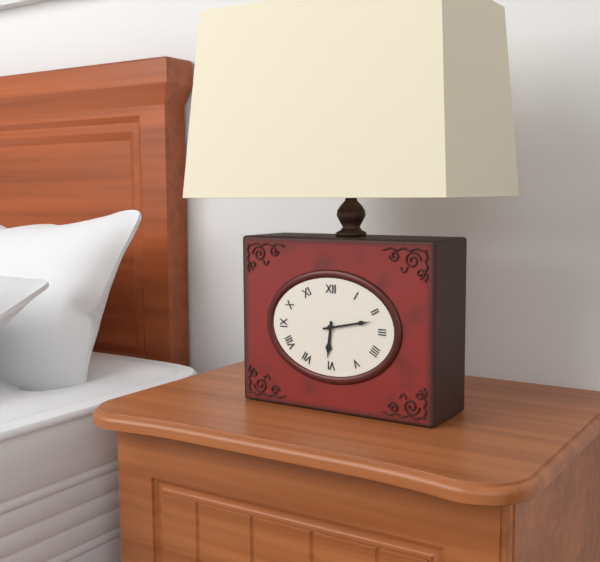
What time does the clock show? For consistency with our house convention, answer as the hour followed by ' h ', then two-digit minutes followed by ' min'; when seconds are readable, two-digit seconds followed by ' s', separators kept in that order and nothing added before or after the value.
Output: 6 h 13 min
